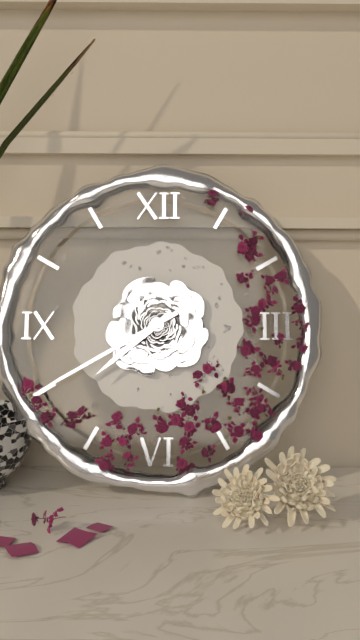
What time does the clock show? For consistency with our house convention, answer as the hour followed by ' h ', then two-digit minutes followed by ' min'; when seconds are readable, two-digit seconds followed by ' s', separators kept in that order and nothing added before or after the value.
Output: 7 h 40 min
